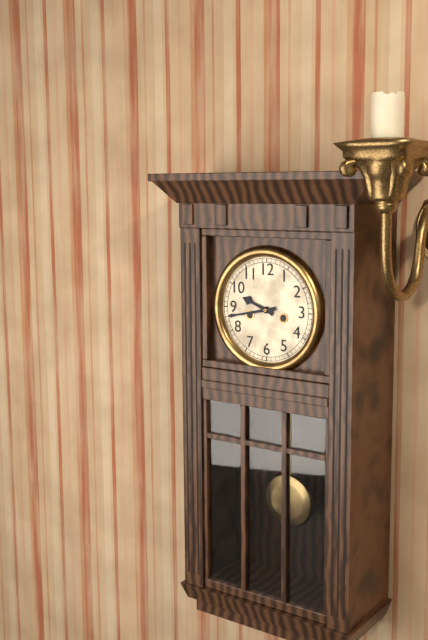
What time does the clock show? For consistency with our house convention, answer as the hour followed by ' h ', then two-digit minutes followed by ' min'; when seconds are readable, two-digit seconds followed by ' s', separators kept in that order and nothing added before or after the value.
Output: 9 h 43 min
